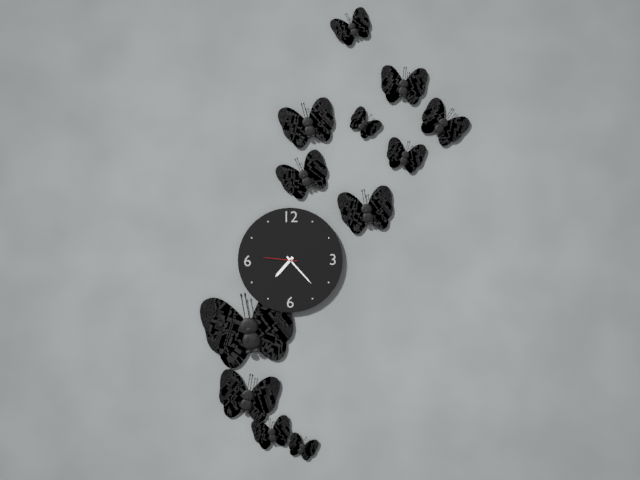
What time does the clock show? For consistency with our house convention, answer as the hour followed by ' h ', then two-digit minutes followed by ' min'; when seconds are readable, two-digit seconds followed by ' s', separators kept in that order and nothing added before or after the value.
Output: 7 h 23 min
